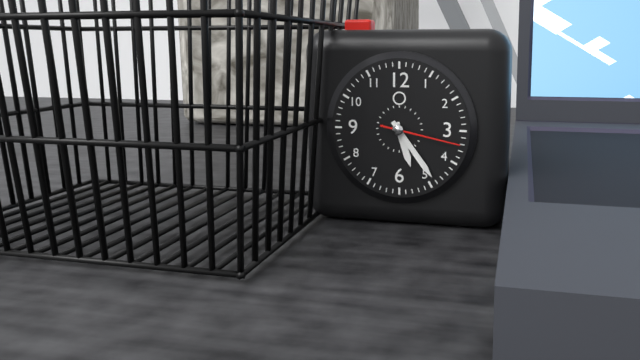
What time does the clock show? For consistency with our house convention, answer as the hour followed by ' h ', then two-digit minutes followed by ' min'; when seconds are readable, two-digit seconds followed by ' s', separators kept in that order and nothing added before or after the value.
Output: 5 h 24 min 17 s
